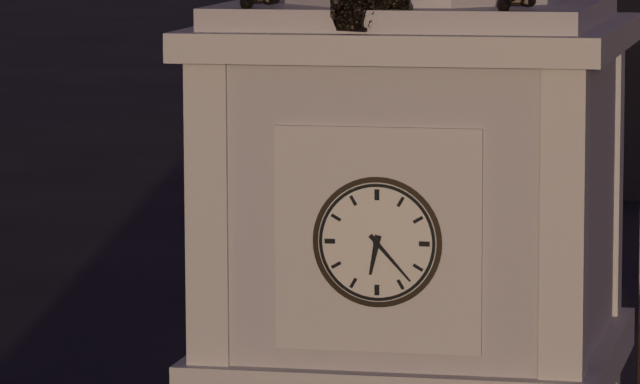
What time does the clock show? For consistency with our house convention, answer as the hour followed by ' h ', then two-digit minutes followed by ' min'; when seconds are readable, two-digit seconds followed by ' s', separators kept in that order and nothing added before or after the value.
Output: 6 h 23 min
